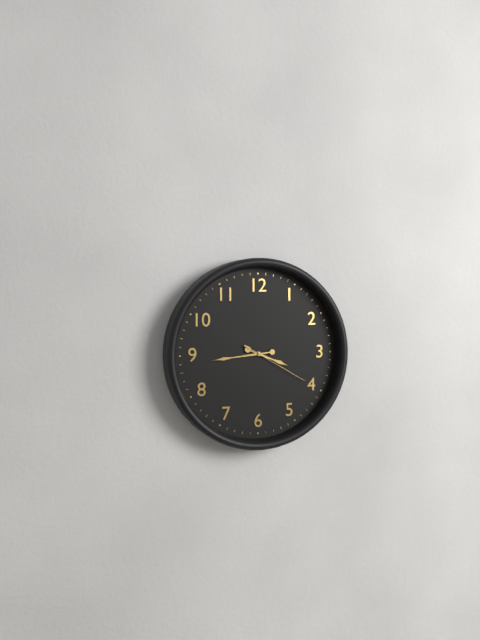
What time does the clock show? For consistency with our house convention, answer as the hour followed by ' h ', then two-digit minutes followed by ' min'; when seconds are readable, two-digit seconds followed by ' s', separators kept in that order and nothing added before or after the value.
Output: 3 h 44 min 20 s
